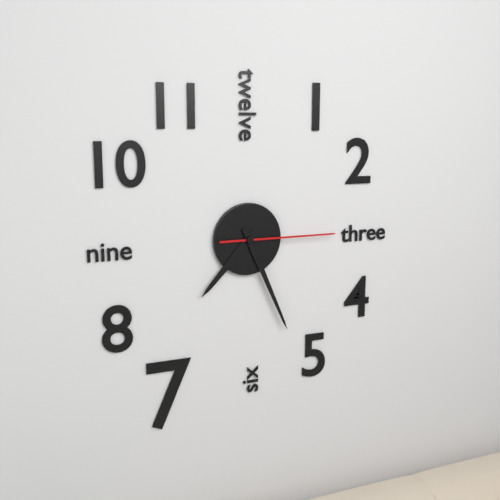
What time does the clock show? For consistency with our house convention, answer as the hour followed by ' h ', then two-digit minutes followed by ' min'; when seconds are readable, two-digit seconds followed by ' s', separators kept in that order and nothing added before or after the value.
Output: 7 h 26 min 15 s
